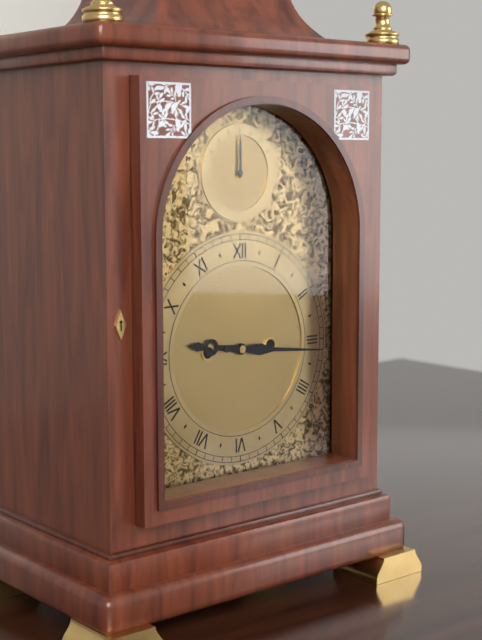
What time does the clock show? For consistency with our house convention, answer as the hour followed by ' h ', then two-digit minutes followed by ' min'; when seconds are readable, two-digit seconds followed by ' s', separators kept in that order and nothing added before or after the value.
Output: 9 h 16 min
